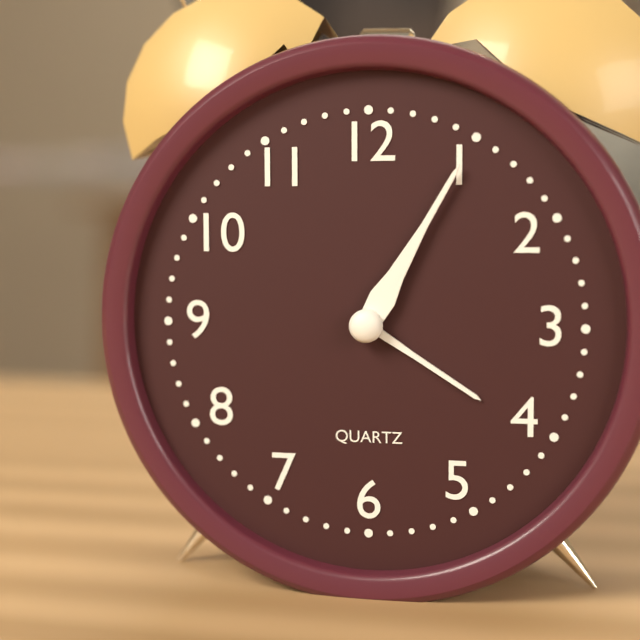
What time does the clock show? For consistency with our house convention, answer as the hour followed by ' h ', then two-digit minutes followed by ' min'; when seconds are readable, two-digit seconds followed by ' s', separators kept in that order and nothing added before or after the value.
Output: 4 h 05 min
